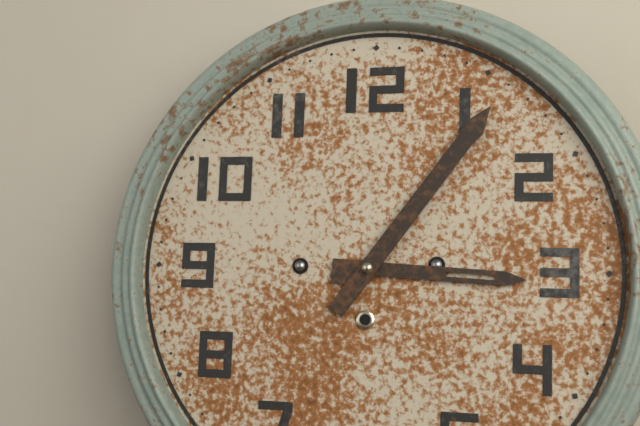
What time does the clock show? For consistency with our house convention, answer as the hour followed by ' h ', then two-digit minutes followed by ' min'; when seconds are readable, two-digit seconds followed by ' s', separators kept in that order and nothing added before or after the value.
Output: 3 h 06 min
